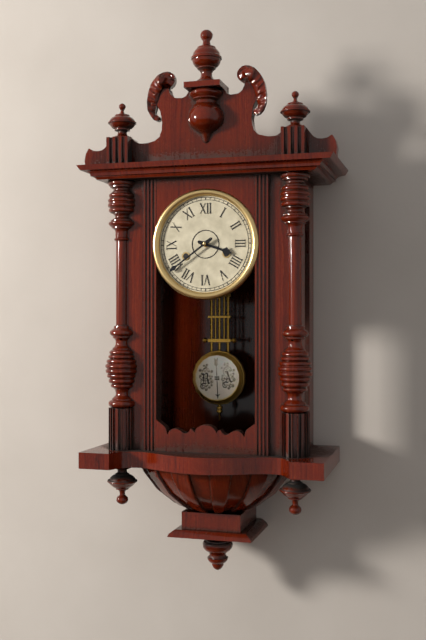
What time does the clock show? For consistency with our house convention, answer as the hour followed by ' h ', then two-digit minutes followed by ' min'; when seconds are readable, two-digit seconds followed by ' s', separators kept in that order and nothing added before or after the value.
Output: 3 h 39 min
